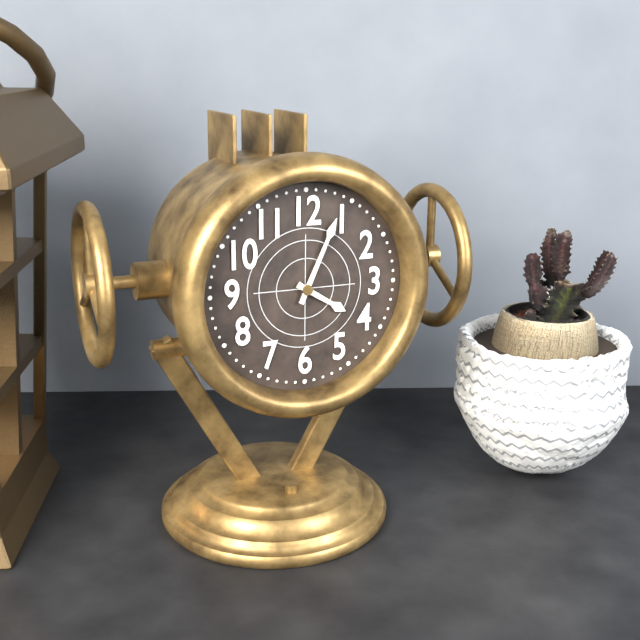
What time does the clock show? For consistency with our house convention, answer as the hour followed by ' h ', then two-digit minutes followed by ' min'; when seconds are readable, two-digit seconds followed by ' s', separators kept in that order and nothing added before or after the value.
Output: 4 h 04 min
